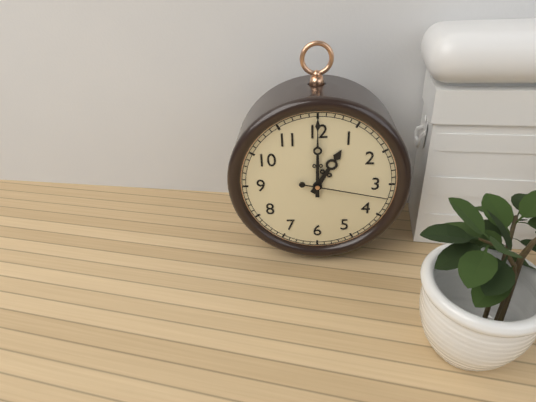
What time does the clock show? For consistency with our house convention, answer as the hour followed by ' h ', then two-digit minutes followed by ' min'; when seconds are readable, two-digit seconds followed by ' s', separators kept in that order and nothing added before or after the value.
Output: 1 h 00 min 17 s
